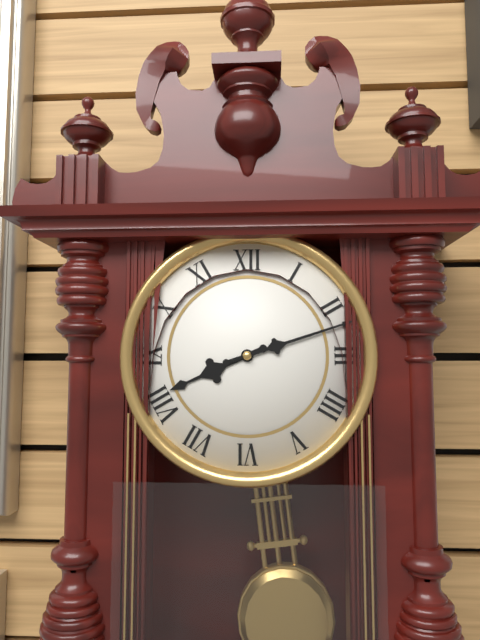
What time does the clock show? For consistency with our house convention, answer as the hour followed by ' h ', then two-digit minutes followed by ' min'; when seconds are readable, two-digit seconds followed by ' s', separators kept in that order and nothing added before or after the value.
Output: 8 h 12 min
